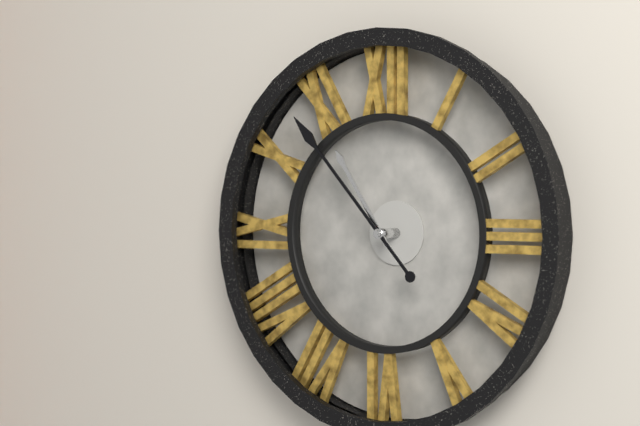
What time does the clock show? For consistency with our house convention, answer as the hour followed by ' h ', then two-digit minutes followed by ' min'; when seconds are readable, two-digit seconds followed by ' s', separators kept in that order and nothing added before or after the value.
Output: 10 h 53 min
